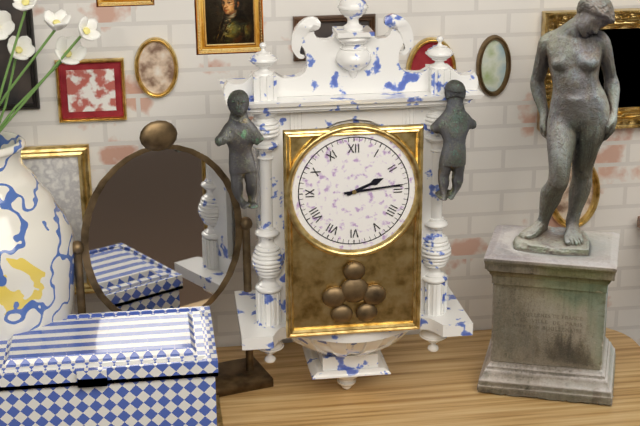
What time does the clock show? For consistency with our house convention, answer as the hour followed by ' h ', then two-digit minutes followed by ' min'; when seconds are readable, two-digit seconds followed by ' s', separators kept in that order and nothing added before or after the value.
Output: 2 h 14 min
